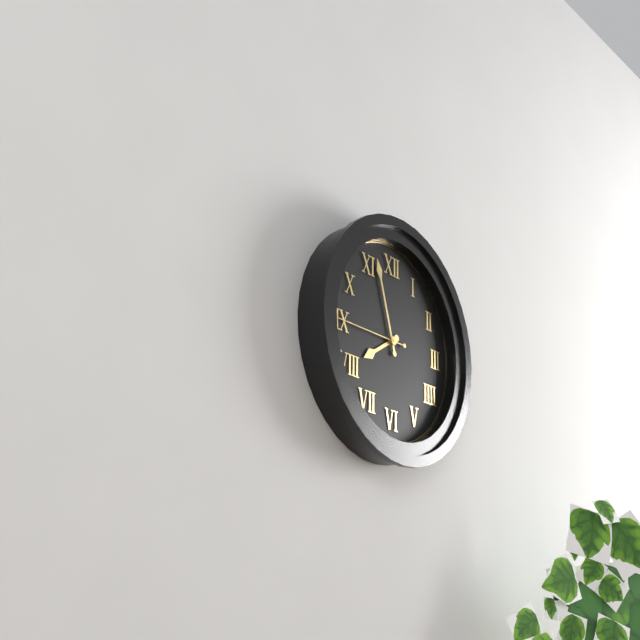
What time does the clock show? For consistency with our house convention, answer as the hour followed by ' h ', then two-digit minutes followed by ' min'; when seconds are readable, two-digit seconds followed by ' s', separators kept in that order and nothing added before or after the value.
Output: 7 h 57 min 45 s
